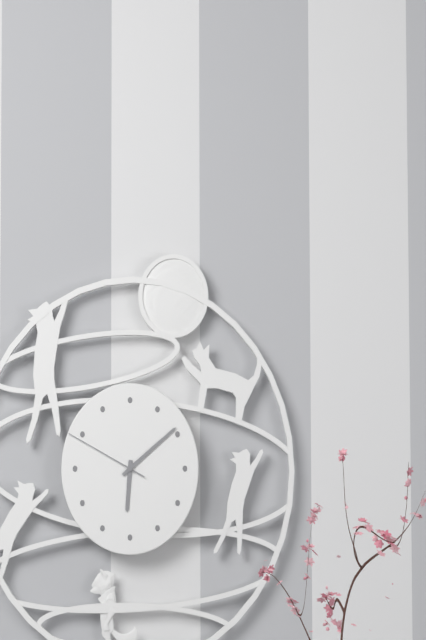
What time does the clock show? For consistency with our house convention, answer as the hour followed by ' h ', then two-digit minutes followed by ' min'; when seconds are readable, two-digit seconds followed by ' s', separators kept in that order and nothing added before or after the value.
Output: 6 h 08 min 50 s
